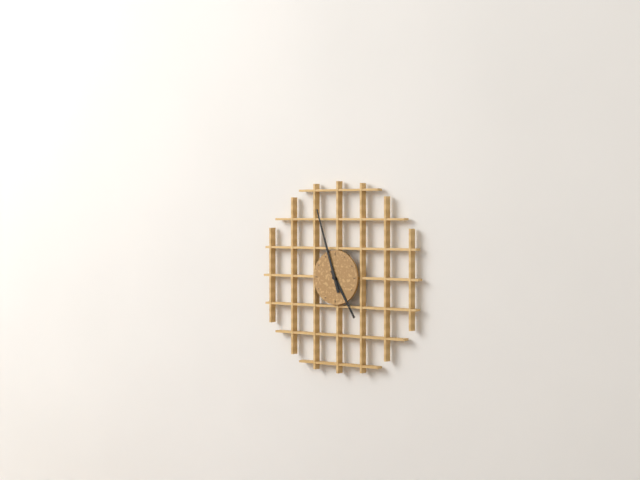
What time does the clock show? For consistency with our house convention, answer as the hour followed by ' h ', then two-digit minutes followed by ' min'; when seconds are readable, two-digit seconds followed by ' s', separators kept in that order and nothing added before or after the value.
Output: 4 h 57 min
